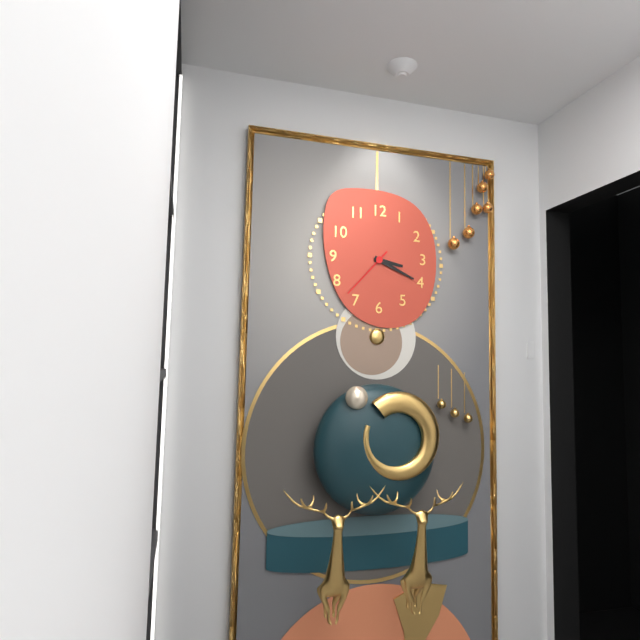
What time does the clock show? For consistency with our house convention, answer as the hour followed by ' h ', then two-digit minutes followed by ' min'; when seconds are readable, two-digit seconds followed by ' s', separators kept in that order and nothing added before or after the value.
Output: 3 h 19 min 37 s
